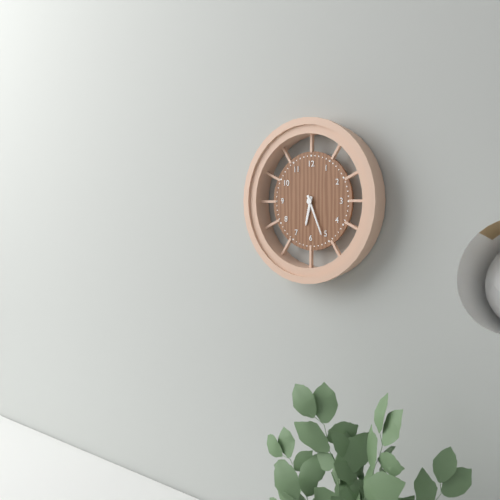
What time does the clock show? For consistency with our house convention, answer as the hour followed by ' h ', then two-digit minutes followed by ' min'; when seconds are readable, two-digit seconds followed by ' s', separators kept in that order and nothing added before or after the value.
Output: 6 h 26 min
